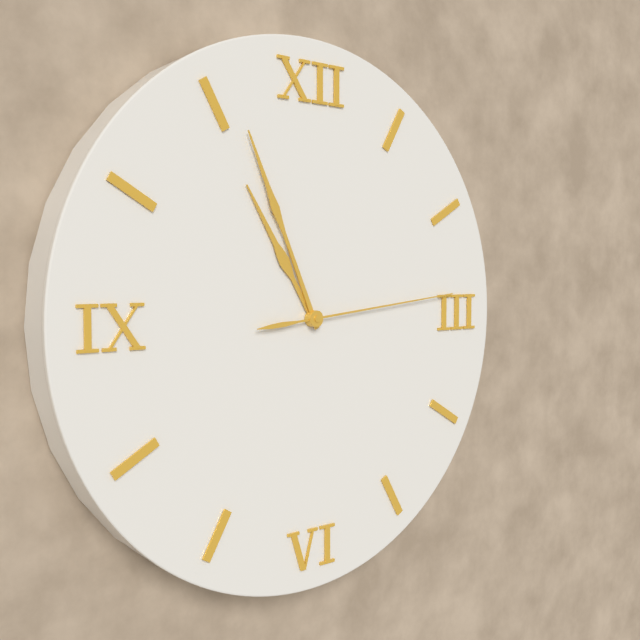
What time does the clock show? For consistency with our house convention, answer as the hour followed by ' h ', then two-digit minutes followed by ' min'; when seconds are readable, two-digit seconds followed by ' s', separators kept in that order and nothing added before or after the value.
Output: 10 h 56 min 14 s
